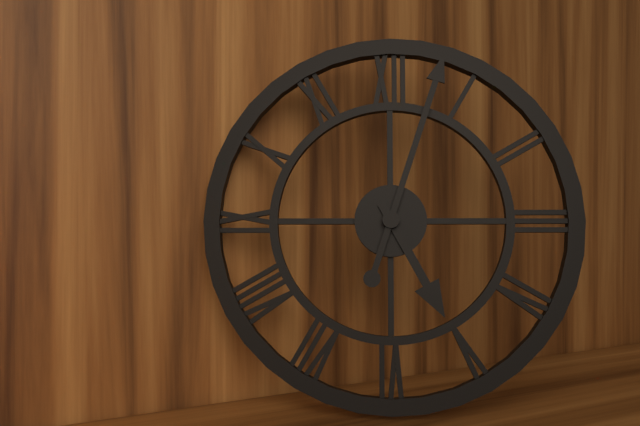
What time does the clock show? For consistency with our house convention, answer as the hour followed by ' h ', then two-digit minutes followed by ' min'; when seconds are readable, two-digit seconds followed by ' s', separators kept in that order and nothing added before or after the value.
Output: 5 h 03 min
